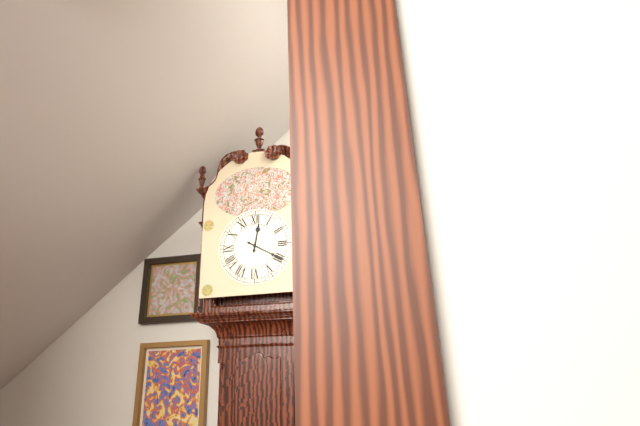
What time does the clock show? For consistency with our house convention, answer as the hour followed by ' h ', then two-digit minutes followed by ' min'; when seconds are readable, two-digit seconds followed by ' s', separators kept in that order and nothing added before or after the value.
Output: 12 h 20 min
